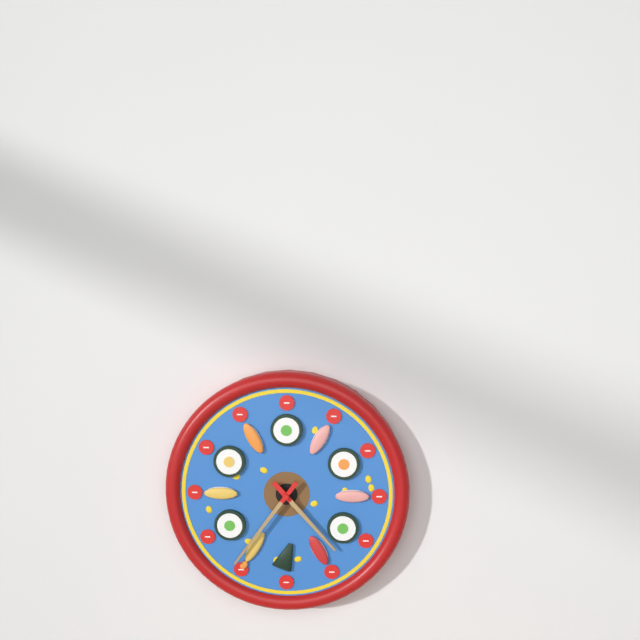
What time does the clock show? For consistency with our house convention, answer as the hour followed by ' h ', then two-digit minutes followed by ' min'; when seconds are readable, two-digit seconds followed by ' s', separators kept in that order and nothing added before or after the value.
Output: 4 h 36 min
